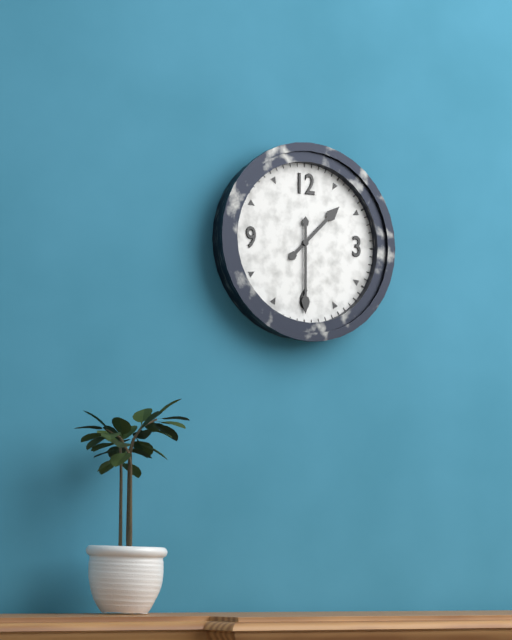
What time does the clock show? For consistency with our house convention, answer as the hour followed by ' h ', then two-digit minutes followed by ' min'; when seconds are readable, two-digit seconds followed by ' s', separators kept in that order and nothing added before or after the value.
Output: 1 h 30 min
